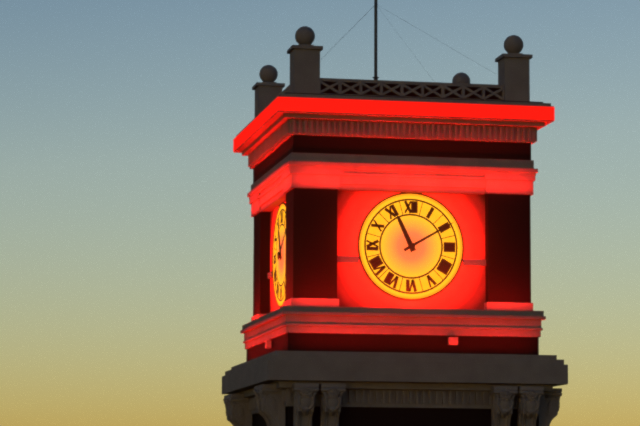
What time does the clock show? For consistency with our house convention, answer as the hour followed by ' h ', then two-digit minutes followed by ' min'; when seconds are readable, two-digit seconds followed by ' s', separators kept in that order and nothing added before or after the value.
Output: 11 h 10 min
